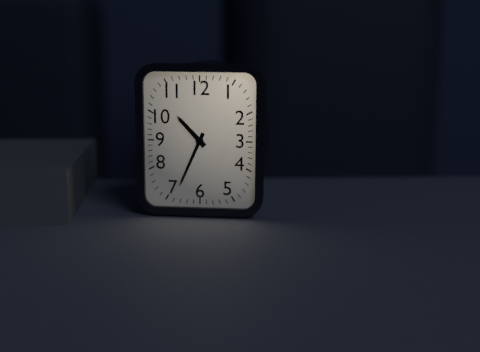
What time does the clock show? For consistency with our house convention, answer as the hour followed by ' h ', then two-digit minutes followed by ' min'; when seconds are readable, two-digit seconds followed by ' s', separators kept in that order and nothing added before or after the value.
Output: 10 h 34 min
